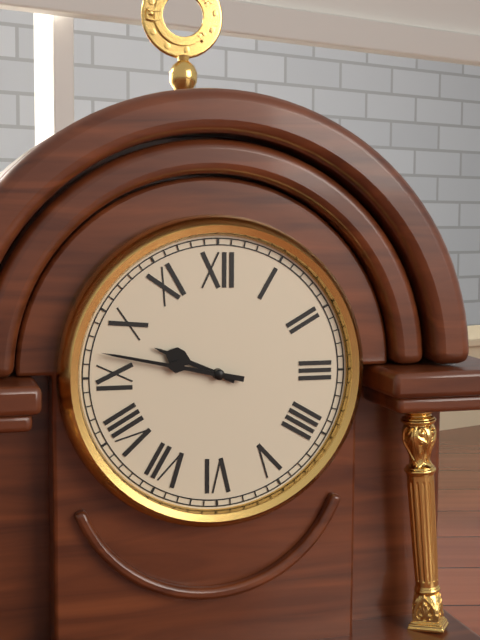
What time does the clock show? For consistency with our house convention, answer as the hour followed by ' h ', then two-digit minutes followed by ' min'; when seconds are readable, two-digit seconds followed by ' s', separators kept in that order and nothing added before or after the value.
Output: 9 h 47 min
